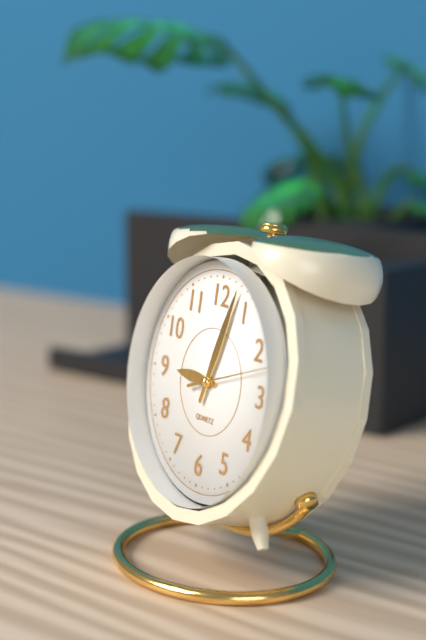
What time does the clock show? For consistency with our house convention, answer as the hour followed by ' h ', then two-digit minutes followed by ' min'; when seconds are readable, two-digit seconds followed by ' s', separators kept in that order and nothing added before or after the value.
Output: 9 h 03 min 12 s
